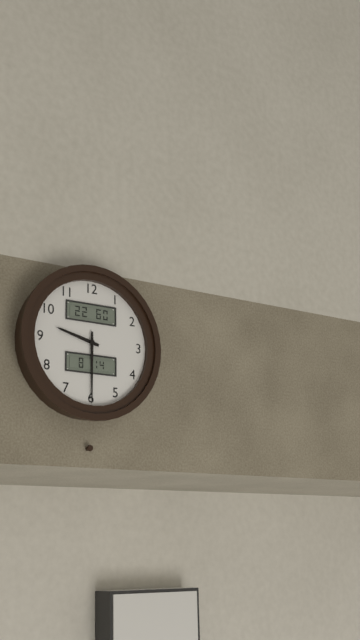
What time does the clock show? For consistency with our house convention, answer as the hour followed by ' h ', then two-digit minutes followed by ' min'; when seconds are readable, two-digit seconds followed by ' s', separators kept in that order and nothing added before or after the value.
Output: 9 h 30 min
